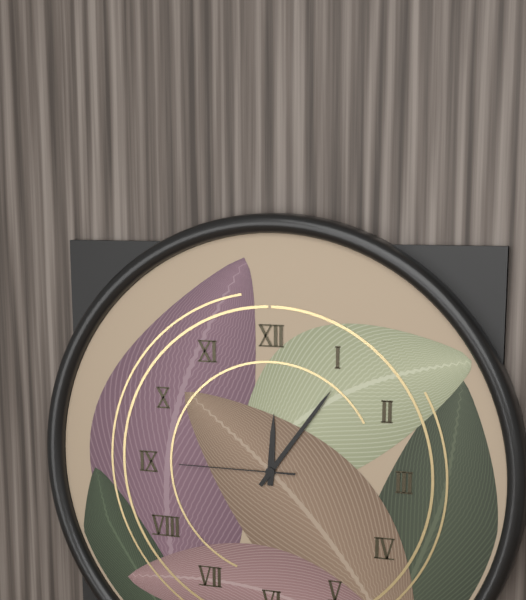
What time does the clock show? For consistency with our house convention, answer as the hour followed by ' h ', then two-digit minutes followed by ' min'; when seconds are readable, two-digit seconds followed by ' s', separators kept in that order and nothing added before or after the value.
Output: 12 h 06 min 45 s
